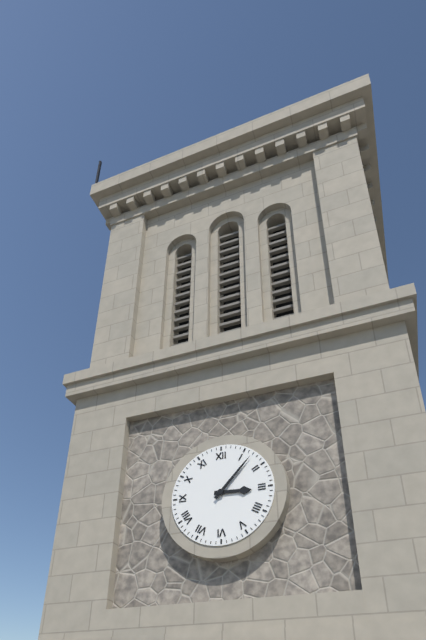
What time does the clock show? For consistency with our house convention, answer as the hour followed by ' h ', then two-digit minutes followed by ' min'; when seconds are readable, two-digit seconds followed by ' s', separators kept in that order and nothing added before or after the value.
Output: 3 h 07 min
